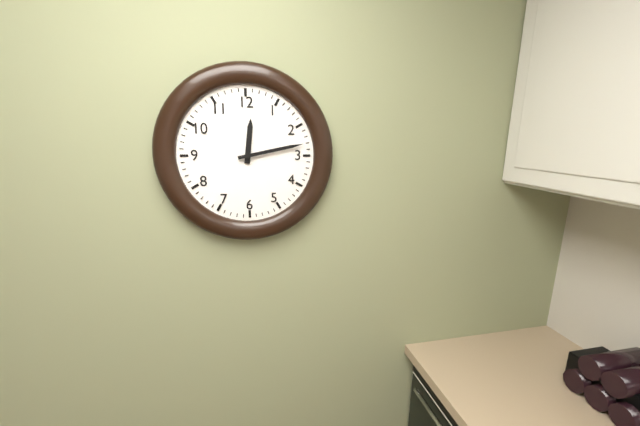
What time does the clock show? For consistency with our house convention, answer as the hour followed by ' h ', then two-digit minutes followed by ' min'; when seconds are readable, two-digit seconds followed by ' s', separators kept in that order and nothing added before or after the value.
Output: 12 h 13 min
